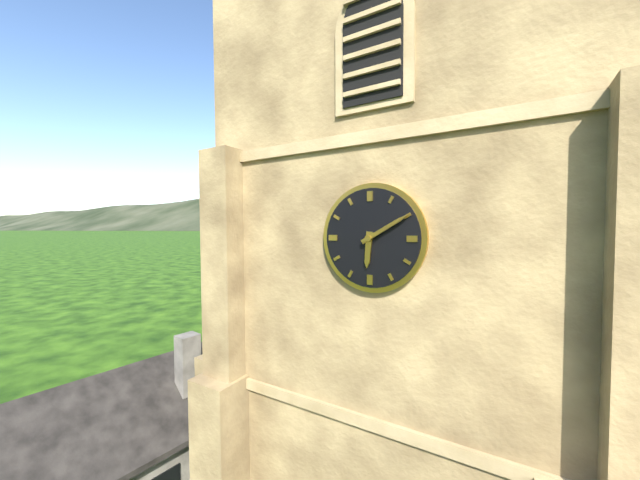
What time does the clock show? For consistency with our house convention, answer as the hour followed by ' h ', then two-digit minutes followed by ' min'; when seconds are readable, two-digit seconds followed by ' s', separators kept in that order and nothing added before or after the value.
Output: 6 h 10 min
